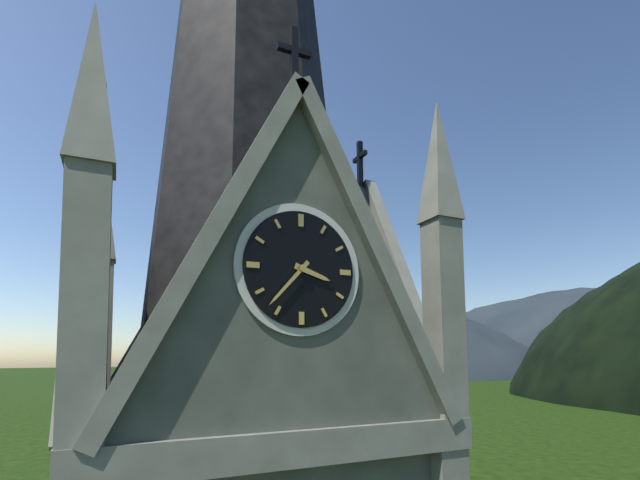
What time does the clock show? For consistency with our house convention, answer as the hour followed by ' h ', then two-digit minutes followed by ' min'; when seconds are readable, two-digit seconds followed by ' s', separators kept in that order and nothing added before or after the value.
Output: 3 h 37 min
